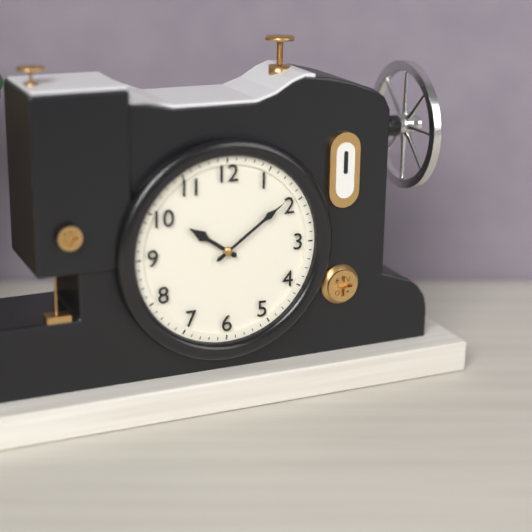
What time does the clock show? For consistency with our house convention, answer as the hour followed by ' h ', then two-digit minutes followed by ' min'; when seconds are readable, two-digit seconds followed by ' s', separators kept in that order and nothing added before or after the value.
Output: 10 h 09 min
